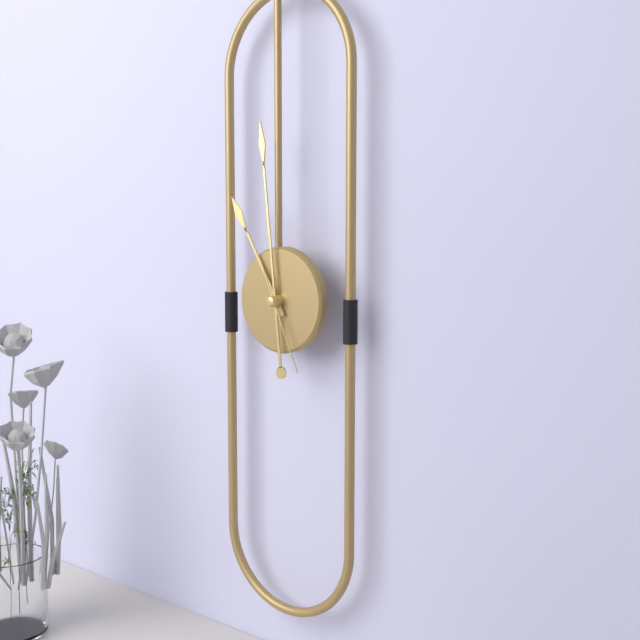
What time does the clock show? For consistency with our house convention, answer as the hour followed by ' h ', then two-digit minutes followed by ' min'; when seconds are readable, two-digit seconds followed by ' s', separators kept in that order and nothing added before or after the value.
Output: 10 h 59 min 26 s
